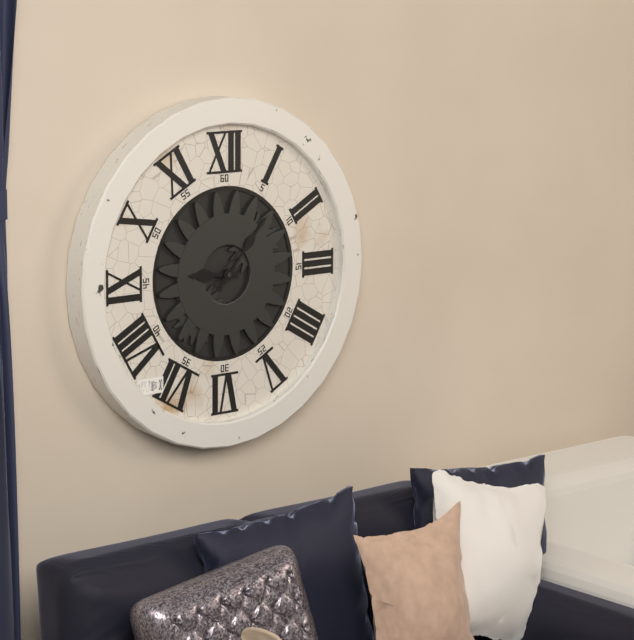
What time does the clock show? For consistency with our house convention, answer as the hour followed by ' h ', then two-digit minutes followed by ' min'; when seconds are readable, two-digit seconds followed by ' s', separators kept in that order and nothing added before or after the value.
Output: 9 h 07 min
